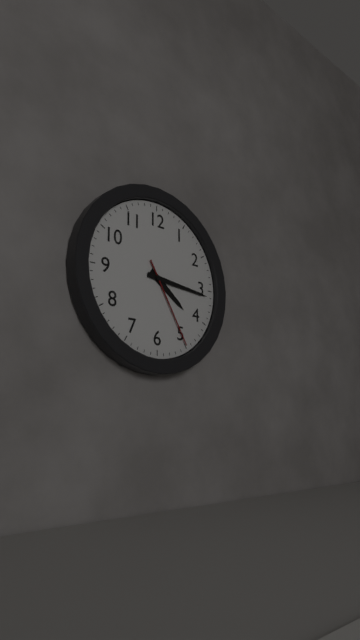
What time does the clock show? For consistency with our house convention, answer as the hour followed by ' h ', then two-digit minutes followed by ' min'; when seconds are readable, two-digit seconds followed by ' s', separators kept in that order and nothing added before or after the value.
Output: 4 h 16 min 25 s
